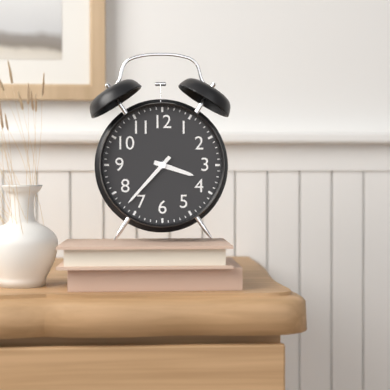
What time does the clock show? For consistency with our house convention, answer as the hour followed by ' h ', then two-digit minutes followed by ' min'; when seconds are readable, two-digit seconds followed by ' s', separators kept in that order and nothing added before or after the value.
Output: 3 h 37 min
